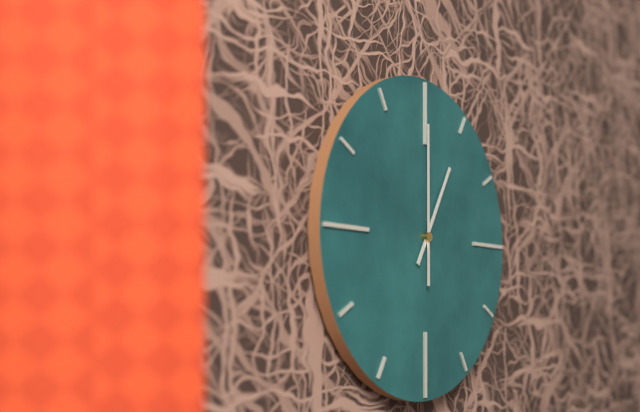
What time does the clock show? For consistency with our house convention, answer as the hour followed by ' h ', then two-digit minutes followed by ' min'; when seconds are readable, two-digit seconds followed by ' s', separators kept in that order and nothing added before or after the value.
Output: 1 h 00 min
